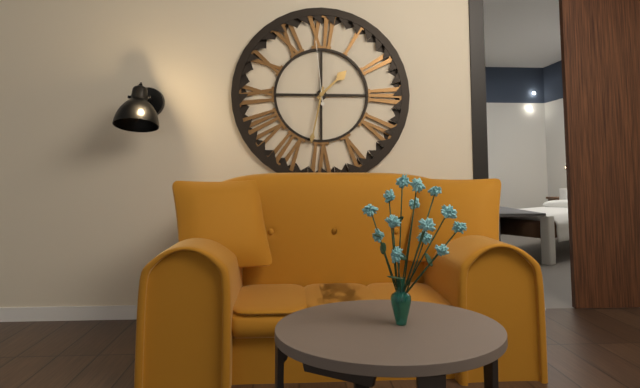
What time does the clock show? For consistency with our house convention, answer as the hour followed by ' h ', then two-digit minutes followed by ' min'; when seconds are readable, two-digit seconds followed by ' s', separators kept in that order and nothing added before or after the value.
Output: 1 h 32 min 59 s
